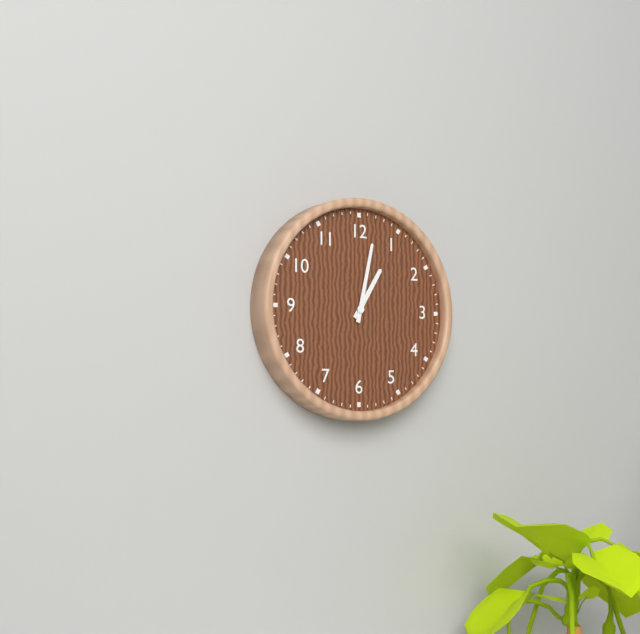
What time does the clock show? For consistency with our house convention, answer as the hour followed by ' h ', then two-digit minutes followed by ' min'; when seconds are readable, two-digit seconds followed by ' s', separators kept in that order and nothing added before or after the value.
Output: 1 h 02 min
